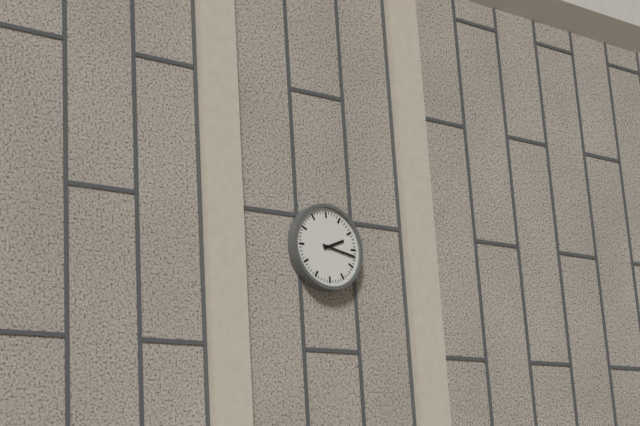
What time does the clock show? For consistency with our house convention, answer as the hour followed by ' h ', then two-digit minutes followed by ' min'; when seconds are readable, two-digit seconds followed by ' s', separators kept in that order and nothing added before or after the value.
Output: 2 h 17 min
